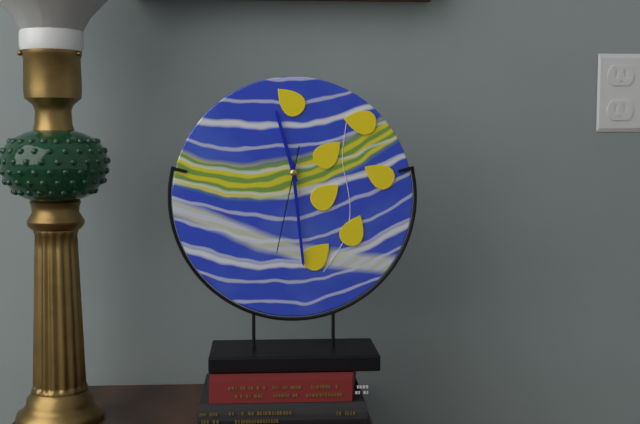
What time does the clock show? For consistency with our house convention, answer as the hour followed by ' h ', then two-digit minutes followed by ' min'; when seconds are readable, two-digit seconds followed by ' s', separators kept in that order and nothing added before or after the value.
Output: 11 h 29 min 32 s
